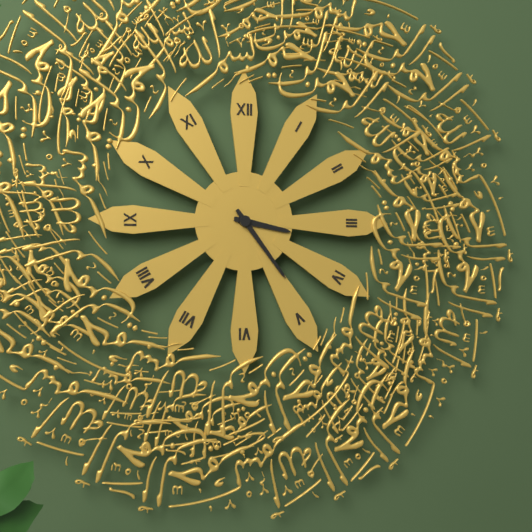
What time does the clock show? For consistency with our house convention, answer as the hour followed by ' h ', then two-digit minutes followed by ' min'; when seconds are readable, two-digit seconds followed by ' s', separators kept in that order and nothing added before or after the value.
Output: 3 h 24 min
